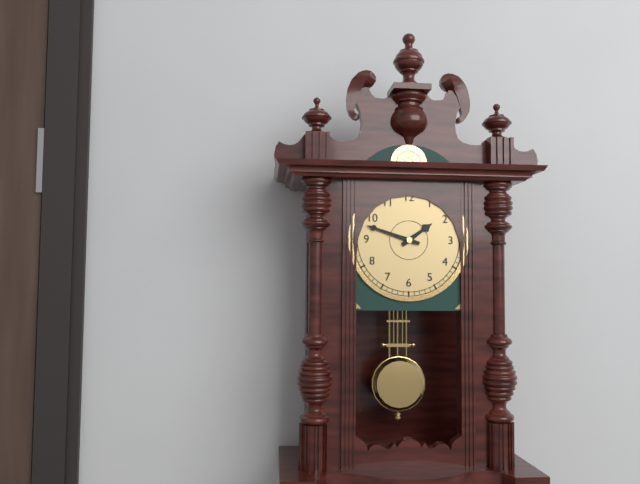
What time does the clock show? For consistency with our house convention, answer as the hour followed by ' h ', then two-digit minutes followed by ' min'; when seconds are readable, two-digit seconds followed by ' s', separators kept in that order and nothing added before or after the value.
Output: 1 h 48 min
